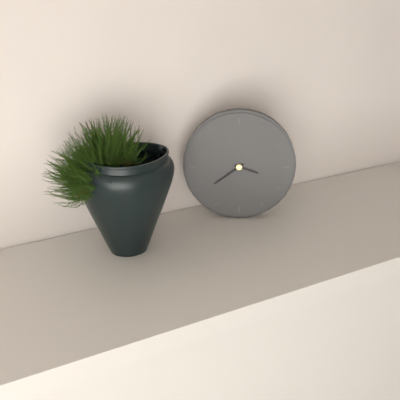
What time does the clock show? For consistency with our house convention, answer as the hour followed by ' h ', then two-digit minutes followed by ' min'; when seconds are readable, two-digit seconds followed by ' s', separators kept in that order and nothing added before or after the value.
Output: 3 h 39 min
